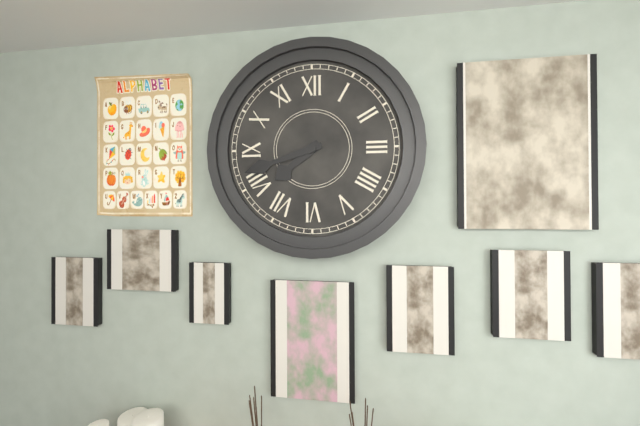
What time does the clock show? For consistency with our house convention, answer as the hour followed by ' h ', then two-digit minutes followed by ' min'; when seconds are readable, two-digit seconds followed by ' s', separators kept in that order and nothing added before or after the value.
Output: 7 h 42 min
